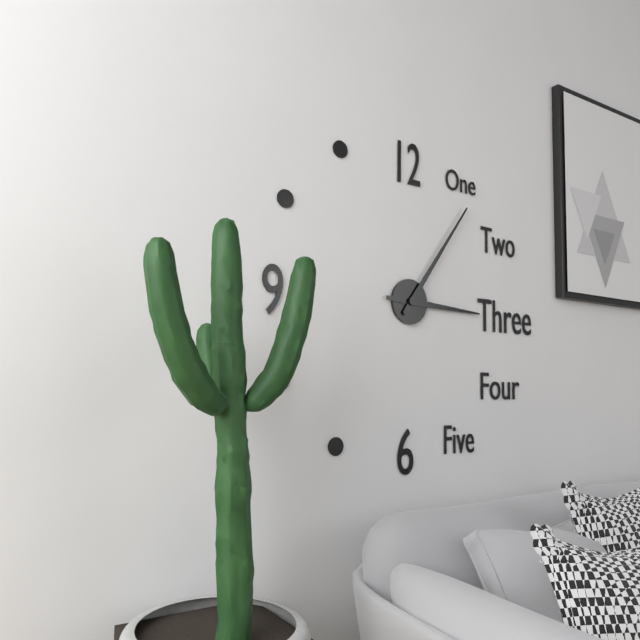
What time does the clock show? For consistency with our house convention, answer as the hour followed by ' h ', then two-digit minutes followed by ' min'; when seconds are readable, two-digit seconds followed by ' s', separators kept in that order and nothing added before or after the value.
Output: 3 h 06 min
